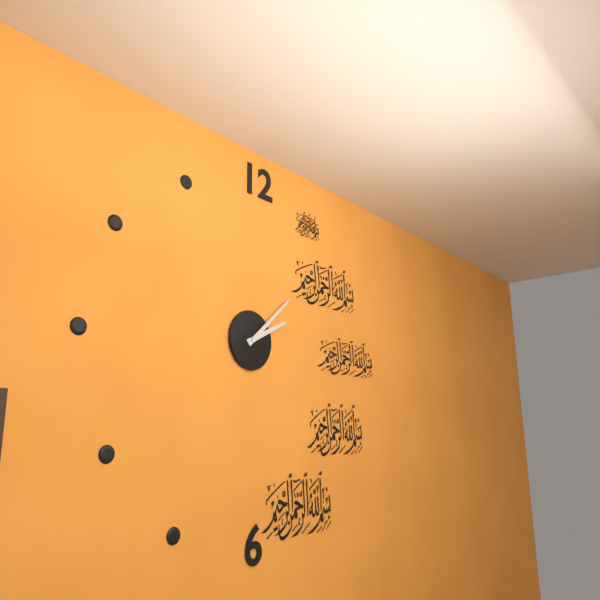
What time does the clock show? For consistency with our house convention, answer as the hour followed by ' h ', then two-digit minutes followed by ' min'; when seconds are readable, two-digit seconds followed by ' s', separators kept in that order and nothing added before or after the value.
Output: 2 h 08 min
